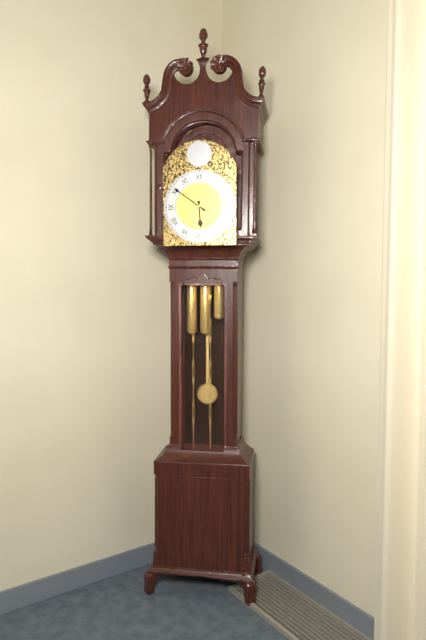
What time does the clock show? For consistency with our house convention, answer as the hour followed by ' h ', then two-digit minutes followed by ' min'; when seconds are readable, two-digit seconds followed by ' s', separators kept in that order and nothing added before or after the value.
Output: 5 h 51 min
